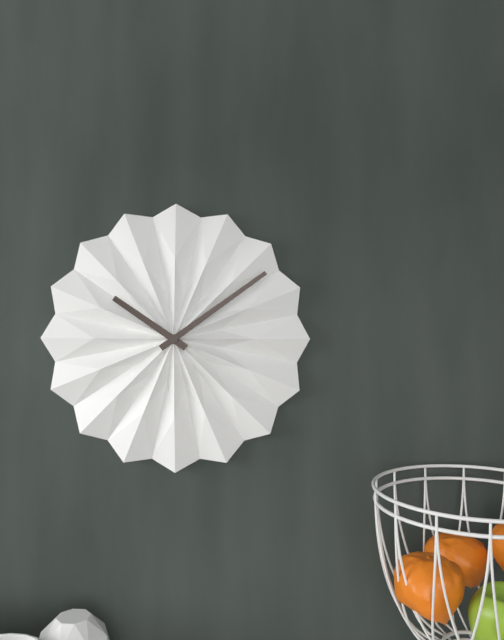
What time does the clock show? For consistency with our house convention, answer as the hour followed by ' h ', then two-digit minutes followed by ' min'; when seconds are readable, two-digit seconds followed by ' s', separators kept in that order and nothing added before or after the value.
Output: 10 h 09 min
